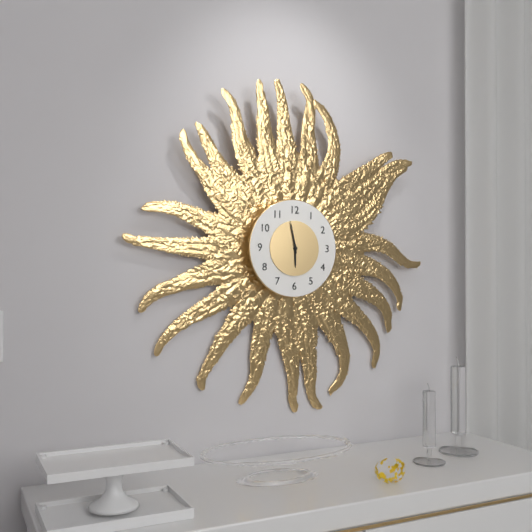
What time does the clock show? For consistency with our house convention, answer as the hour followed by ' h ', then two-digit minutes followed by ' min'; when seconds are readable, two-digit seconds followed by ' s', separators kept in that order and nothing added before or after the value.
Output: 5 h 58 min
